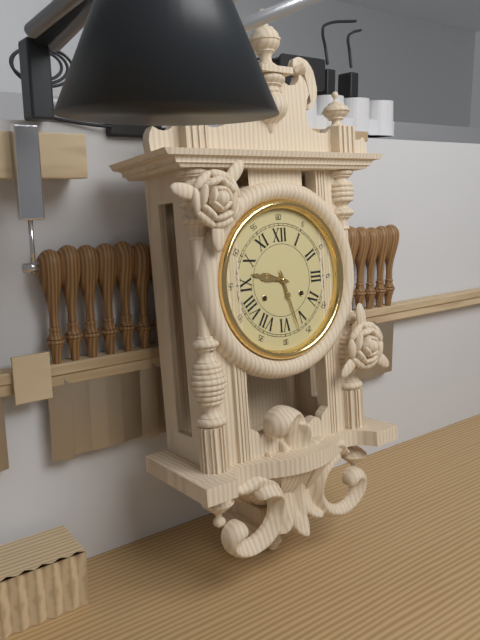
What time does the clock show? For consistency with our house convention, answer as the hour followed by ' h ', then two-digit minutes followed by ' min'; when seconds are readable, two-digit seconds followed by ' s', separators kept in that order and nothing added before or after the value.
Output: 9 h 27 min
